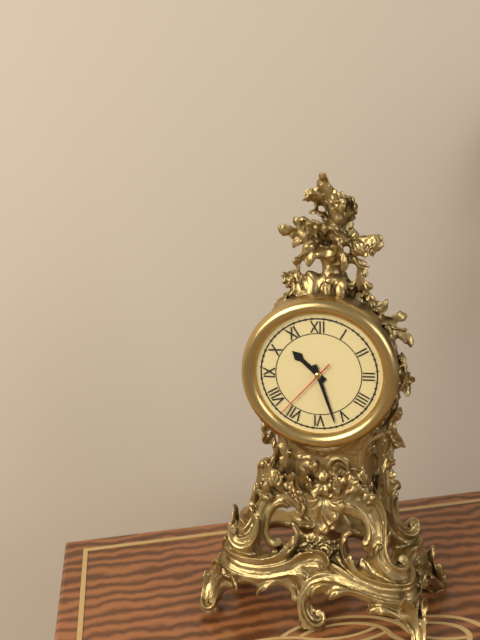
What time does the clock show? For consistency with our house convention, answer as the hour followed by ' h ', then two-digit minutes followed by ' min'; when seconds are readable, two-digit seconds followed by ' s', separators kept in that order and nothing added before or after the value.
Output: 10 h 27 min 37 s
